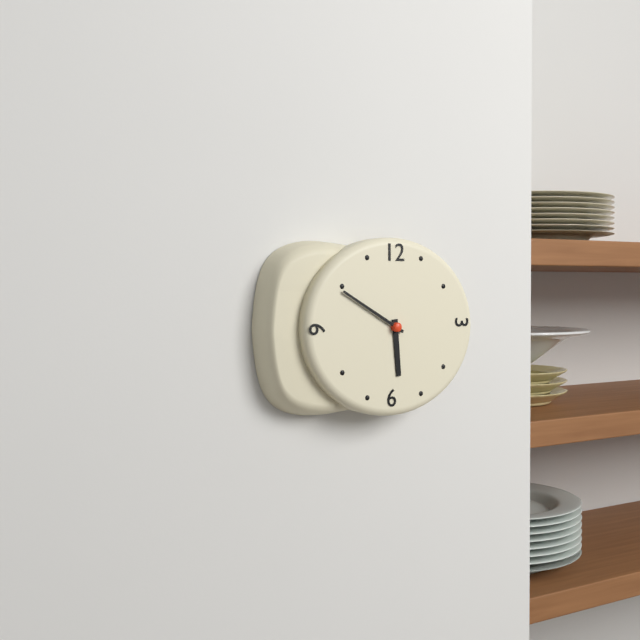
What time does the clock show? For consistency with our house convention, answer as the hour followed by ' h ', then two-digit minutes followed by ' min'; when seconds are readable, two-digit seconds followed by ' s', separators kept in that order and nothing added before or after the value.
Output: 5 h 50 min
